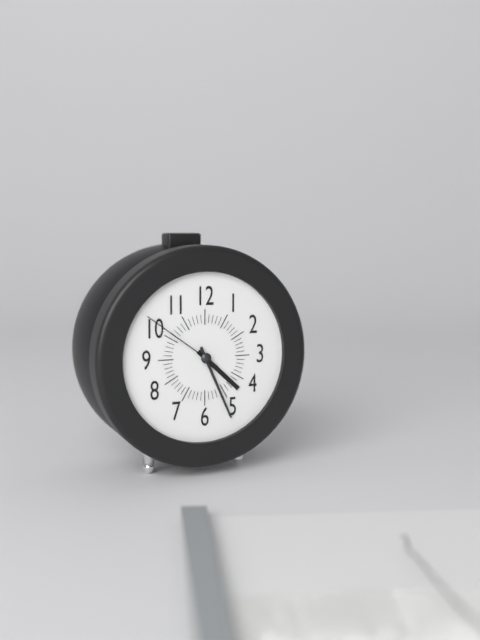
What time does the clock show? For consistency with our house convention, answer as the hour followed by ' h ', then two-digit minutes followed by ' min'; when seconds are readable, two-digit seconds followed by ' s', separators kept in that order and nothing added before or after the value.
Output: 4 h 26 min 51 s
